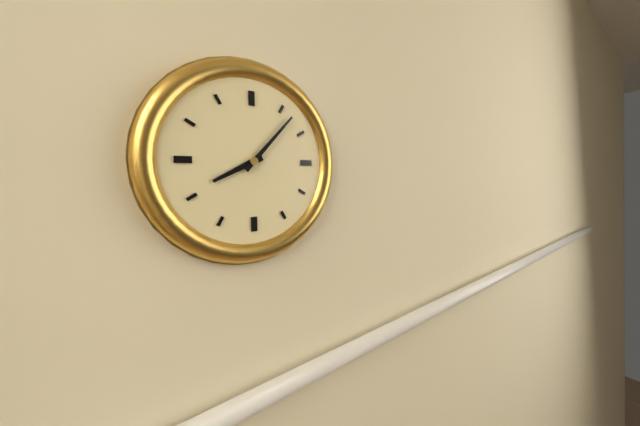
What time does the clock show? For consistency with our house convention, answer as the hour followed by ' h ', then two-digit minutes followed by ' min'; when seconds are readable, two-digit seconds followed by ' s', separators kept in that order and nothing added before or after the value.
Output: 8 h 07 min
